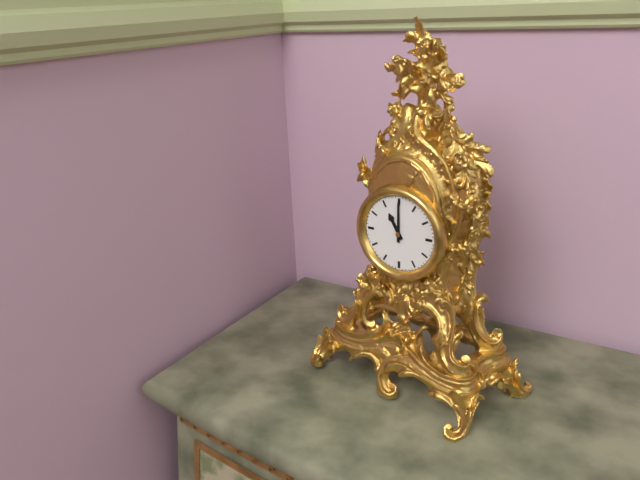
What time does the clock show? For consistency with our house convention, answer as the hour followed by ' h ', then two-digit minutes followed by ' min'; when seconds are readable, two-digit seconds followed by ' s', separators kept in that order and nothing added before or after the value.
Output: 11 h 00 min
